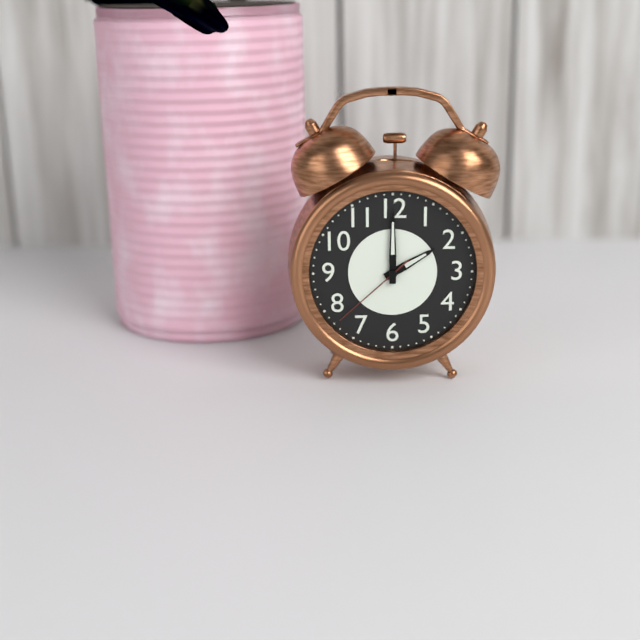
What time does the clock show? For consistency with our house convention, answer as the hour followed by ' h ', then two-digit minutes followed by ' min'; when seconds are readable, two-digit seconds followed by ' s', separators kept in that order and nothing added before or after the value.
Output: 2 h 00 min 38 s
